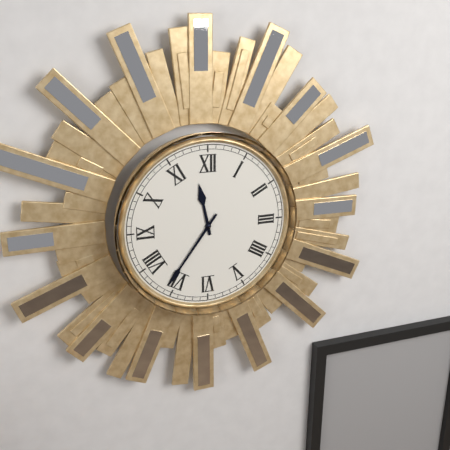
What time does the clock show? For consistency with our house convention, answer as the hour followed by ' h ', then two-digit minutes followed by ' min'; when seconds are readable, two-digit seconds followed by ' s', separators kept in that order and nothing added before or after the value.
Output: 11 h 36 min
